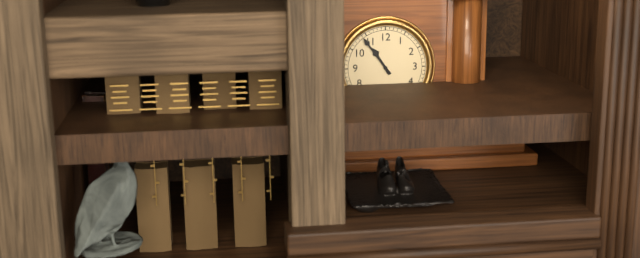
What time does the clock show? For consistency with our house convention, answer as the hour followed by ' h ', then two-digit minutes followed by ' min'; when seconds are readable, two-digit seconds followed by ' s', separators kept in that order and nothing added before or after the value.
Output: 10 h 54 min
